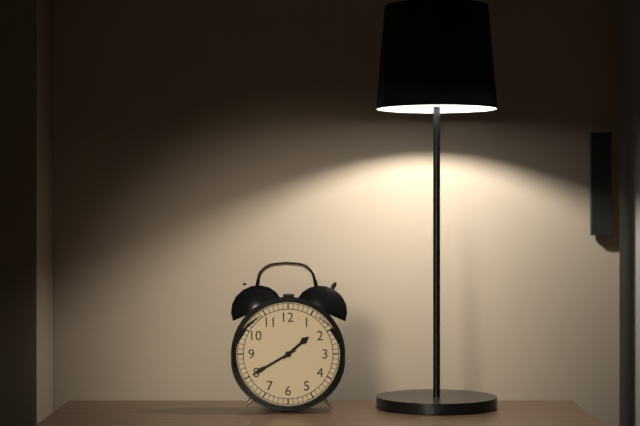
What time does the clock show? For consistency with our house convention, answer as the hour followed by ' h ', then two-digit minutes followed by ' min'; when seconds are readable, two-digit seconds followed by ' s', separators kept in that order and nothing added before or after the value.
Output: 1 h 40 min
